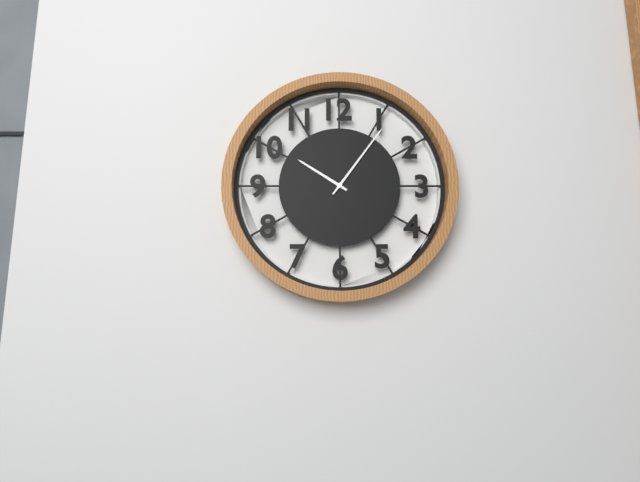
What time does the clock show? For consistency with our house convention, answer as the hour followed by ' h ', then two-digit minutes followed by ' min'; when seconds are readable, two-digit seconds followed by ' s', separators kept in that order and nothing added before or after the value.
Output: 10 h 06 min
